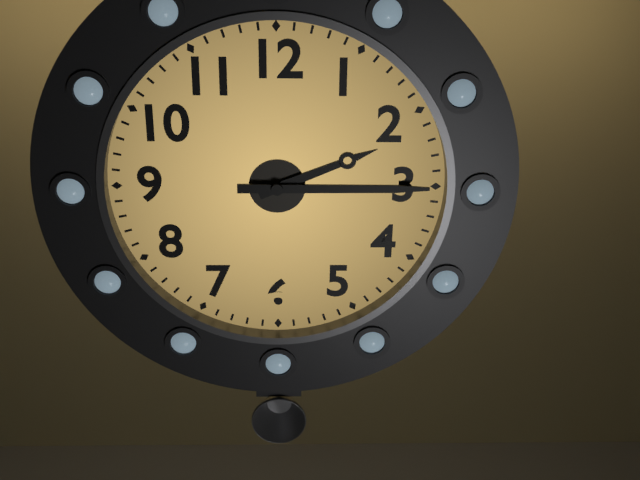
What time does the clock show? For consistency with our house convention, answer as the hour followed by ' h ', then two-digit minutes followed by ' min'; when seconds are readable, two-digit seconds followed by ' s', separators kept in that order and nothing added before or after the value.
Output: 2 h 15 min
